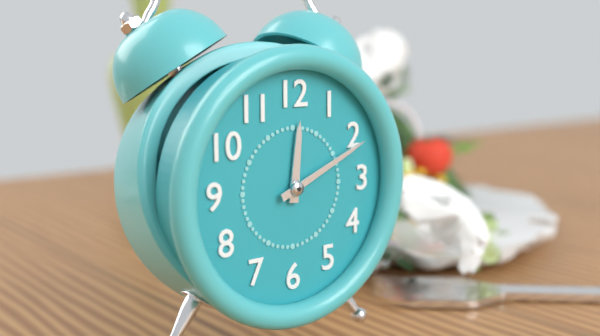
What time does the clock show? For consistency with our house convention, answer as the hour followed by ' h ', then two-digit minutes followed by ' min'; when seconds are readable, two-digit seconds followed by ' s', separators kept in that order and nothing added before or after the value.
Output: 12 h 11 min
